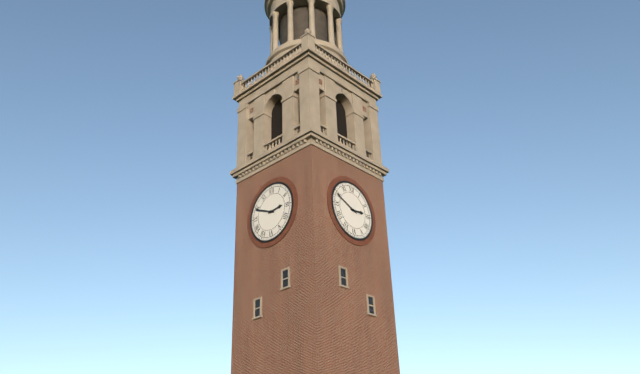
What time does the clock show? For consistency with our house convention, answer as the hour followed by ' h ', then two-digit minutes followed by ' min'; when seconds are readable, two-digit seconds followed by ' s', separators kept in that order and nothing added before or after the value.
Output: 2 h 49 min
